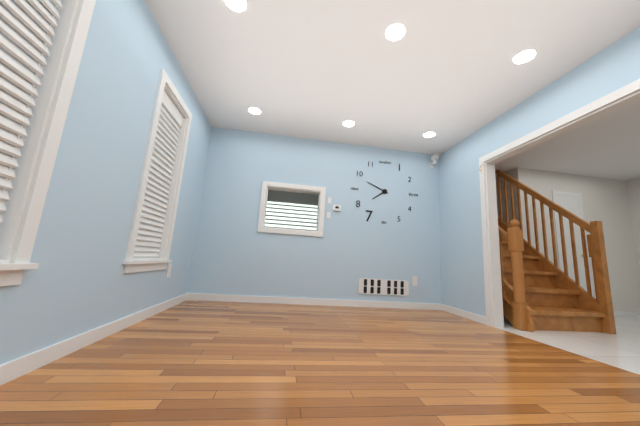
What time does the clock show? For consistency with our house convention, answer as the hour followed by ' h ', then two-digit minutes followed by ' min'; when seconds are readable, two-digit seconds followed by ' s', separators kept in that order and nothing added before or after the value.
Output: 7 h 49 min
